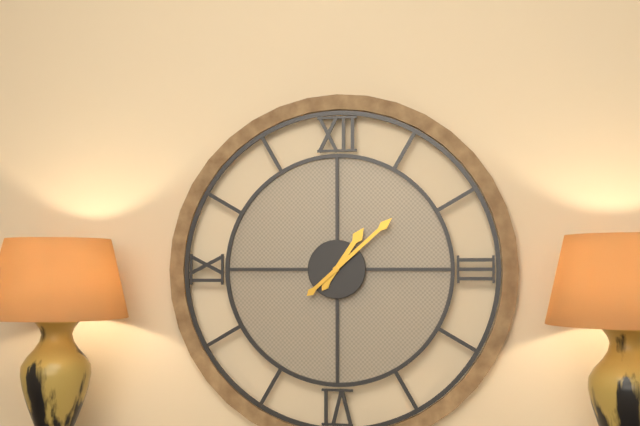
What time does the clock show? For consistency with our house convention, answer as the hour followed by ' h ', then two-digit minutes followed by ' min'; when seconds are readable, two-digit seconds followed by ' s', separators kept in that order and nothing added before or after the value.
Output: 1 h 08 min
